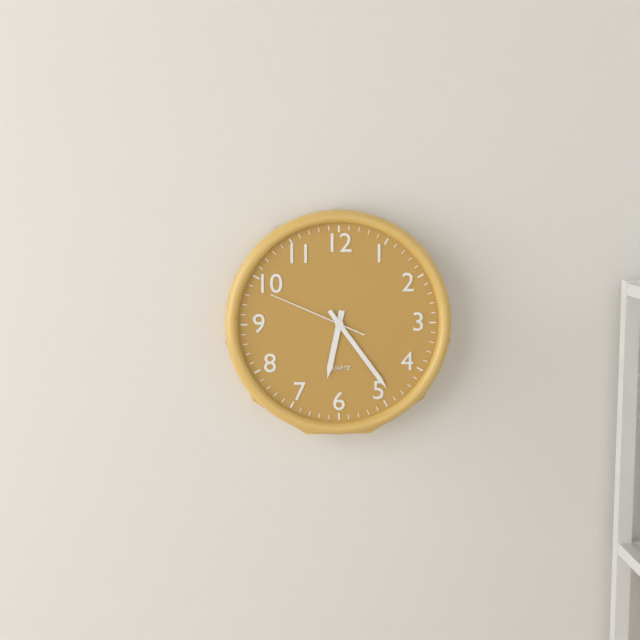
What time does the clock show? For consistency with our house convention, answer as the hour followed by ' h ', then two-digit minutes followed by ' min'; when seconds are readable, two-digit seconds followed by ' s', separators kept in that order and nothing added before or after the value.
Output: 6 h 24 min 49 s
